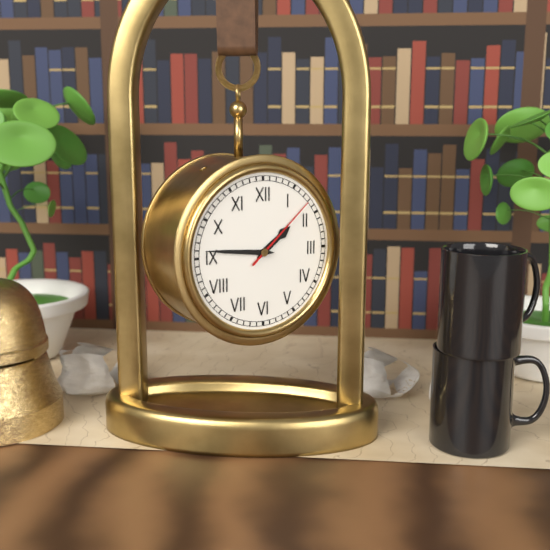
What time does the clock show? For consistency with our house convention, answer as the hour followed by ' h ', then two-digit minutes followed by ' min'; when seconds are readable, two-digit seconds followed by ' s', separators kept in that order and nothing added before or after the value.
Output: 1 h 46 min 08 s
